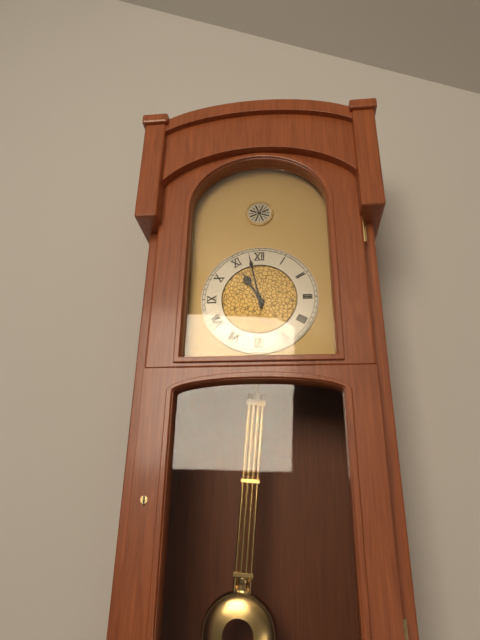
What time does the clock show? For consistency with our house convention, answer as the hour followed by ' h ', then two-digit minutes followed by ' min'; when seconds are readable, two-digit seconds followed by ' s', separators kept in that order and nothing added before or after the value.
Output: 10 h 58 min
